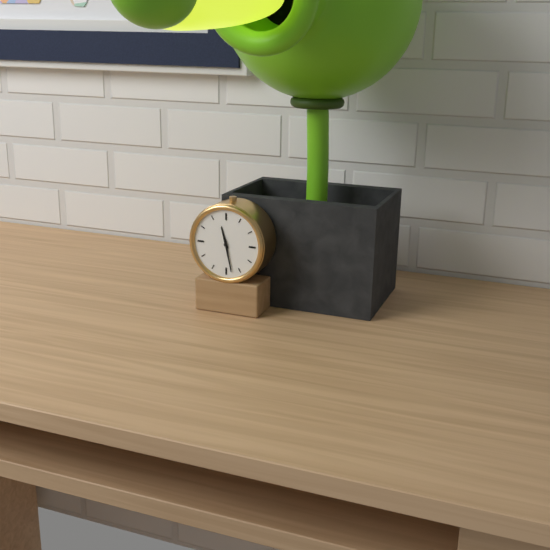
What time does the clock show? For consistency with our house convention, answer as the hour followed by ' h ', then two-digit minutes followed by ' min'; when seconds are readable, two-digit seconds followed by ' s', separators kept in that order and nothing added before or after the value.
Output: 11 h 28 min
